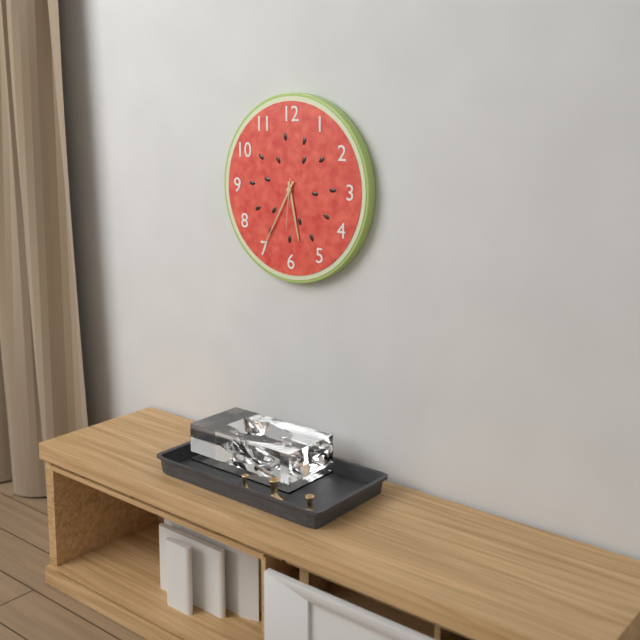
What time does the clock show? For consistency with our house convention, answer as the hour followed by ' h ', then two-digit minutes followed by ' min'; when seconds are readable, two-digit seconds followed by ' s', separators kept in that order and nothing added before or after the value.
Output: 5 h 35 min 31 s
